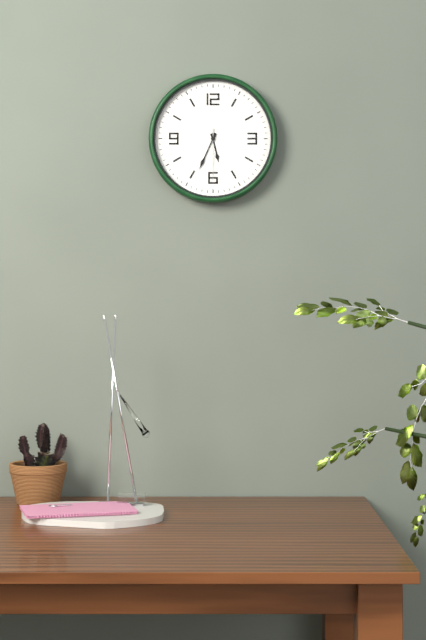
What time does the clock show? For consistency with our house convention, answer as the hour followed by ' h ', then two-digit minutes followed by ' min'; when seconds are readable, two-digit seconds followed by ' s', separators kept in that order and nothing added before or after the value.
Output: 5 h 34 min 30 s
